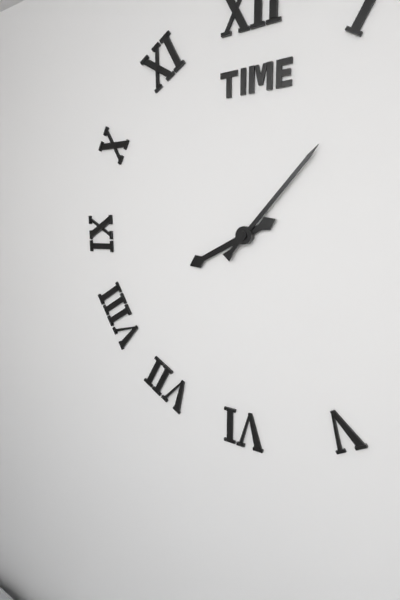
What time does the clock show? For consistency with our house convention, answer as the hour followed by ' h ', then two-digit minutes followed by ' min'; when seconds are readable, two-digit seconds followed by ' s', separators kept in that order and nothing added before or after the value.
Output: 8 h 07 min
